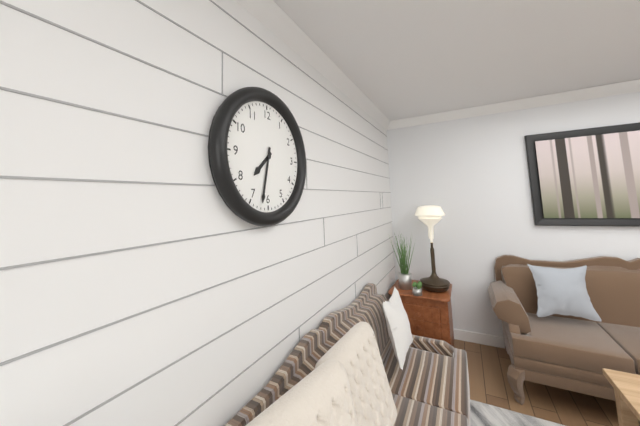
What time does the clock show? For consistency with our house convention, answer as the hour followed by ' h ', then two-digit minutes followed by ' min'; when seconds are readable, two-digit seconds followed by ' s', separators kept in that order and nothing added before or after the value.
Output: 7 h 32 min
